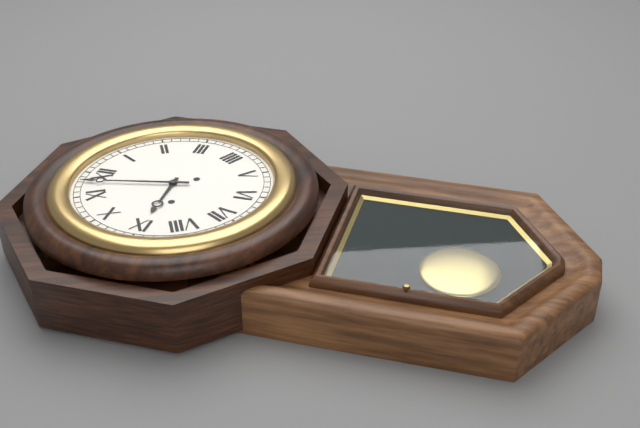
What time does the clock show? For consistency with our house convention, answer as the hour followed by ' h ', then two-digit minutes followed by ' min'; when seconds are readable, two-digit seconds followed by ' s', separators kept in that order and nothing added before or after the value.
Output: 8 h 58 min
